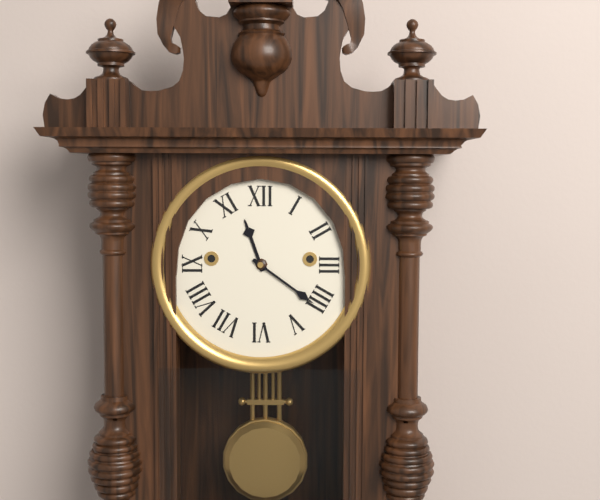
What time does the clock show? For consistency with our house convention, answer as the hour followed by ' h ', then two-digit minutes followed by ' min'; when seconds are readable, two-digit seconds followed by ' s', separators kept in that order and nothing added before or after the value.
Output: 11 h 21 min
